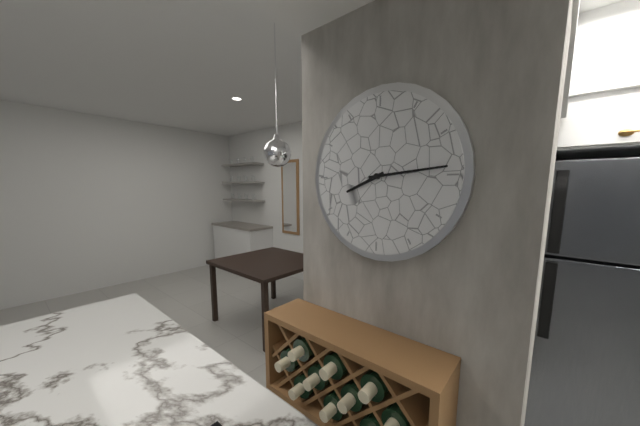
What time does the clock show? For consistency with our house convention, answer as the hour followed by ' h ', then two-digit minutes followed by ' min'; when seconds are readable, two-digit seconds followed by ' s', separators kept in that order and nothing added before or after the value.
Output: 8 h 14 min
